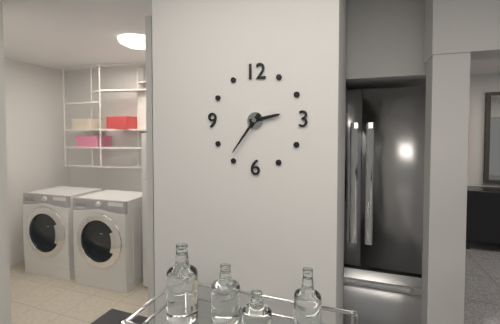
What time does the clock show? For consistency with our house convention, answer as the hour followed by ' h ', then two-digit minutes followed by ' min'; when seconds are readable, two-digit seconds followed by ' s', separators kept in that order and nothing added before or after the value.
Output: 2 h 36 min
